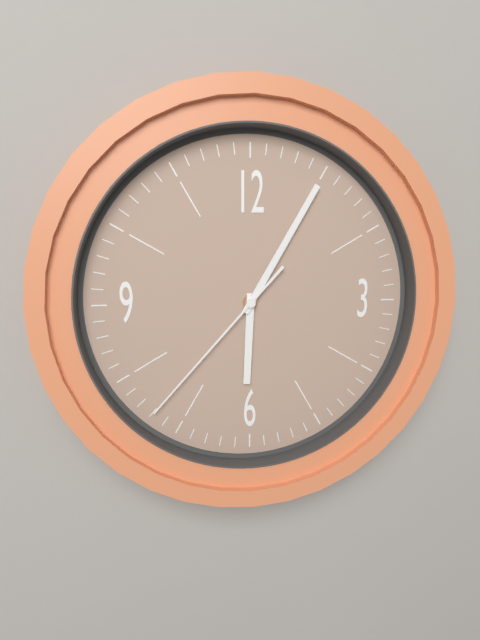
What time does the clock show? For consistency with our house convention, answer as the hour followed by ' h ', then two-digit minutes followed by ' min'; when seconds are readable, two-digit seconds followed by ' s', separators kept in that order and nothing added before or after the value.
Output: 6 h 05 min 37 s
